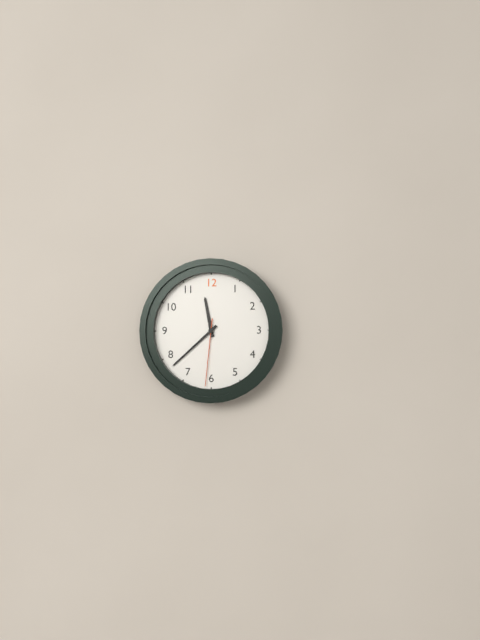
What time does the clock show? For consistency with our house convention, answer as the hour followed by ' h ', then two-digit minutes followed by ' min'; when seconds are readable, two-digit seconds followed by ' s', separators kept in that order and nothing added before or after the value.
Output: 11 h 38 min 31 s
